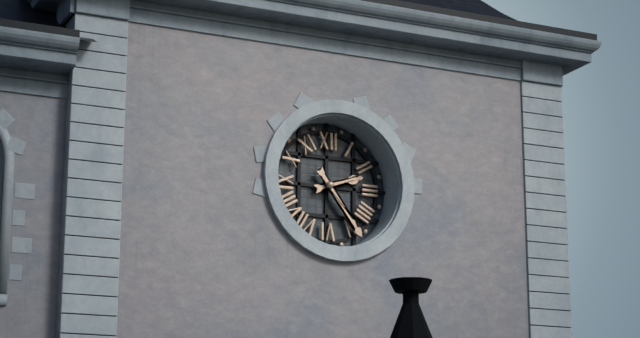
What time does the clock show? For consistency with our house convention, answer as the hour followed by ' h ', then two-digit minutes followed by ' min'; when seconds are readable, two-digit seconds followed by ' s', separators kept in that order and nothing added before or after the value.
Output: 2 h 24 min
